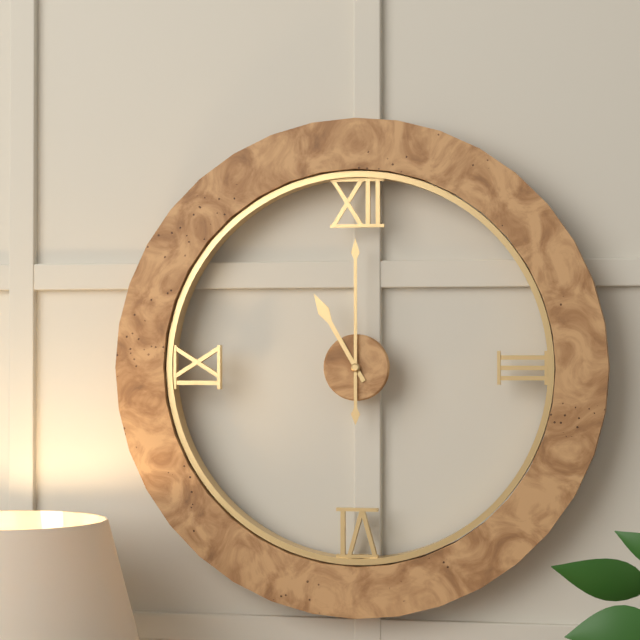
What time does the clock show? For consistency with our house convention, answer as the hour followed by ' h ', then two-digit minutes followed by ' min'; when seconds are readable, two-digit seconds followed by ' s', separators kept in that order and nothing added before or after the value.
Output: 11 h 00 min
